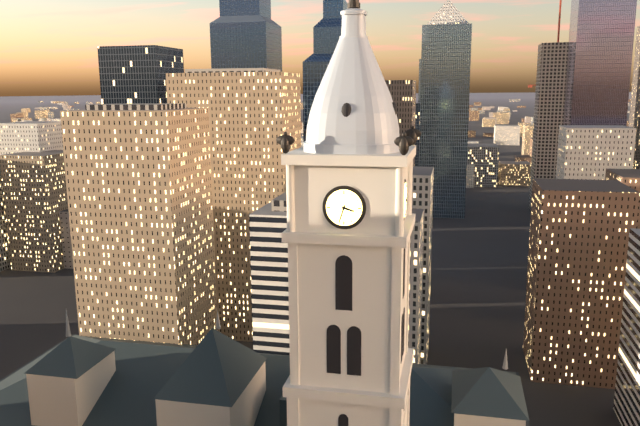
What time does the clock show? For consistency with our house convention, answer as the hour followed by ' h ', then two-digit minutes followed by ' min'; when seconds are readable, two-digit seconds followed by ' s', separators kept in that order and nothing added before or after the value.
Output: 3 h 33 min
